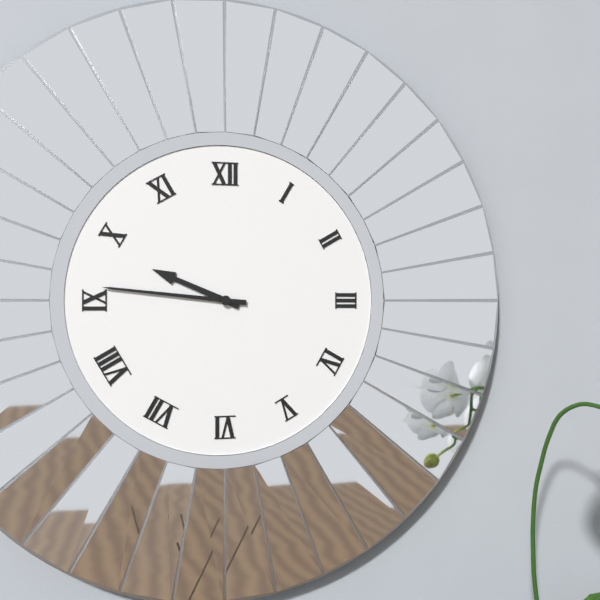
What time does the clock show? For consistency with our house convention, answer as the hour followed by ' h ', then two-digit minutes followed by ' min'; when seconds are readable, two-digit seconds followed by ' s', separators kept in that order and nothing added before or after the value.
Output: 9 h 46 min
